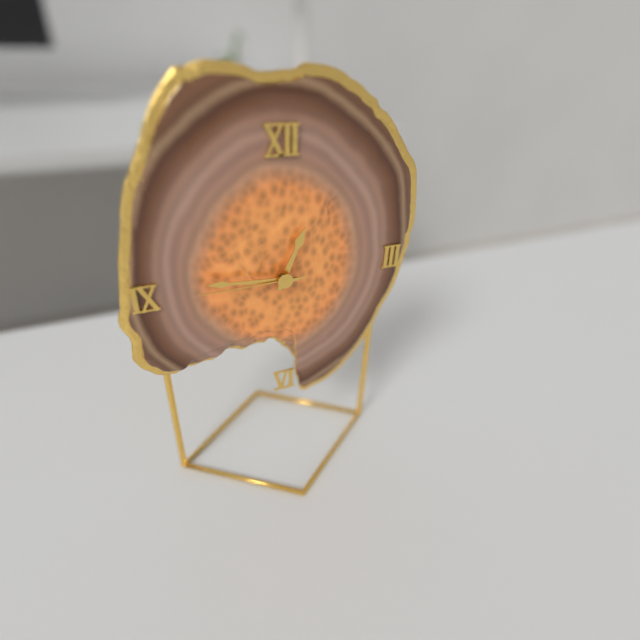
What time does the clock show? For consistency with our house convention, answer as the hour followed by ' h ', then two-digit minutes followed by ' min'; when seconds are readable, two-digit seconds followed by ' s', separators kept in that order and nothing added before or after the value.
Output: 12 h 46 min 45 s
